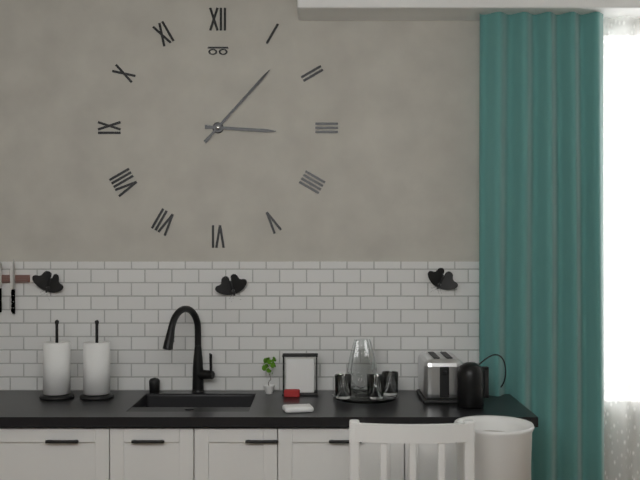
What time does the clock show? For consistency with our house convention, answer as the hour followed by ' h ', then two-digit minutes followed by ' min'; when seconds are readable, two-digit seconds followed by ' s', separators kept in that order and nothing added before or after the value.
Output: 3 h 07 min
